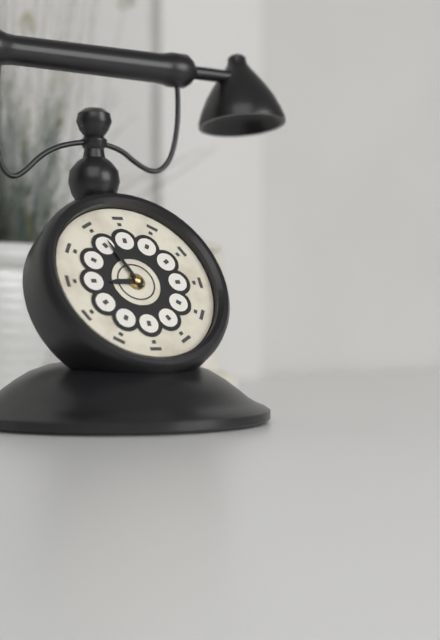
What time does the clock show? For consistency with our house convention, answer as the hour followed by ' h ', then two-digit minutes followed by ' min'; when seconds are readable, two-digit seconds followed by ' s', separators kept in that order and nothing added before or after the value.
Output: 8 h 56 min
